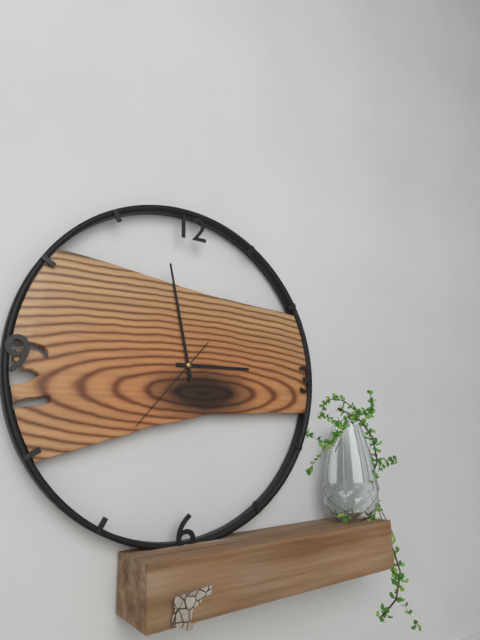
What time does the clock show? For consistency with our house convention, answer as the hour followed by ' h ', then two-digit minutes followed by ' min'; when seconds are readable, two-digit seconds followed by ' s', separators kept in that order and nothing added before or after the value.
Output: 2 h 58 min 37 s
